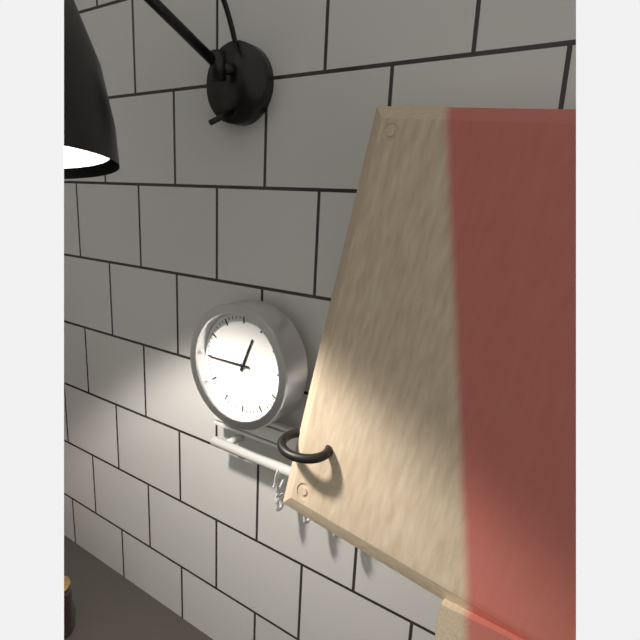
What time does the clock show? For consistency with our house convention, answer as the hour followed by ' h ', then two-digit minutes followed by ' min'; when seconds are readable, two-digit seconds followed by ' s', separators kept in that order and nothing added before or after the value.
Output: 12 h 45 min
